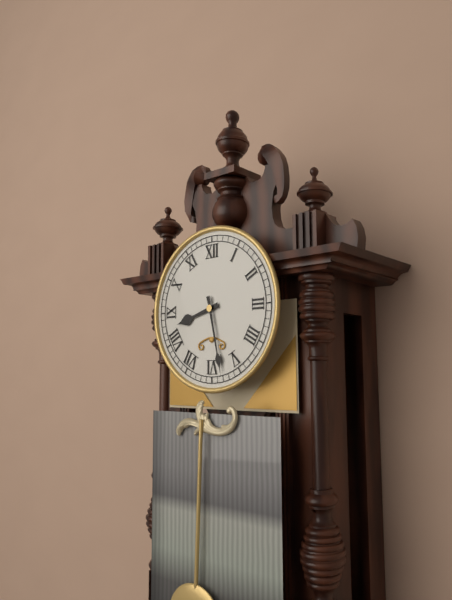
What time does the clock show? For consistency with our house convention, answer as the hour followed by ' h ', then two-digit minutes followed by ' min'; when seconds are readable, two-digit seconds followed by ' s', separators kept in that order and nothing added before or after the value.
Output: 8 h 28 min
